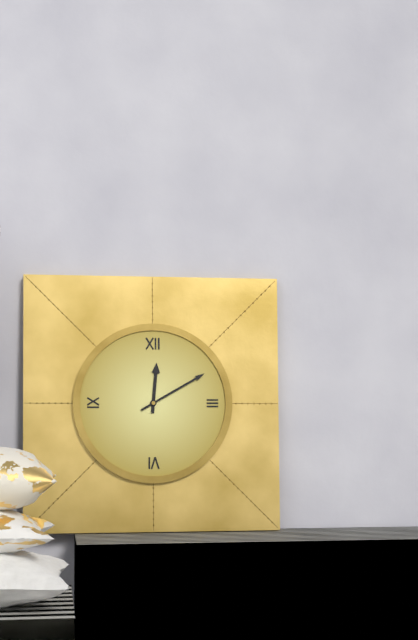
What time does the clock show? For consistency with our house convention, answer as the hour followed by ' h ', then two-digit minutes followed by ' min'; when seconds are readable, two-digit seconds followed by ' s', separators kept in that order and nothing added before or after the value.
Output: 12 h 10 min
